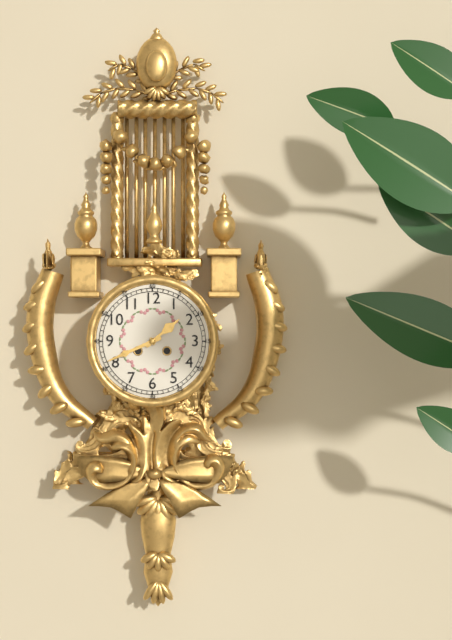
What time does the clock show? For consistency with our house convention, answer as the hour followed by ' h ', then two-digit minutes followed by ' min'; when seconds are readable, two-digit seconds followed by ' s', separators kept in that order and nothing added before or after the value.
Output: 1 h 41 min
